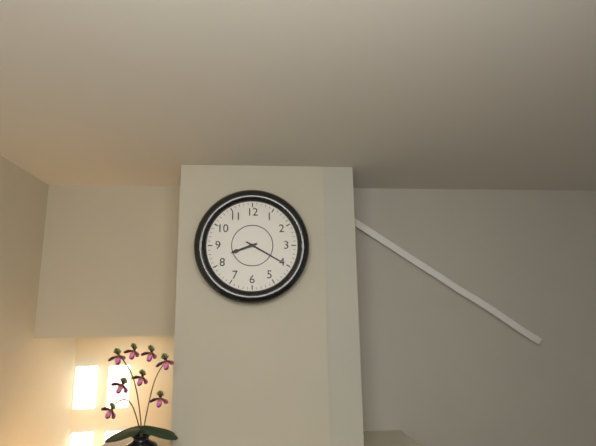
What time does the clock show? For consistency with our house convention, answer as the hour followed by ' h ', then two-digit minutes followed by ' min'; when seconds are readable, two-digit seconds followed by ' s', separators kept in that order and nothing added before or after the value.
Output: 8 h 20 min
